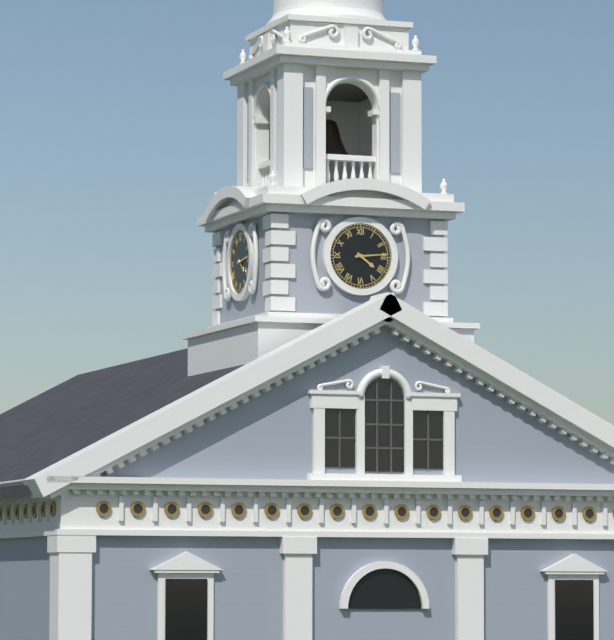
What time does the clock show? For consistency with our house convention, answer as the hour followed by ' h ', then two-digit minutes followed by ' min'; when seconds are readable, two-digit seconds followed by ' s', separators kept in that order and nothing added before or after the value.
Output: 4 h 14 min
